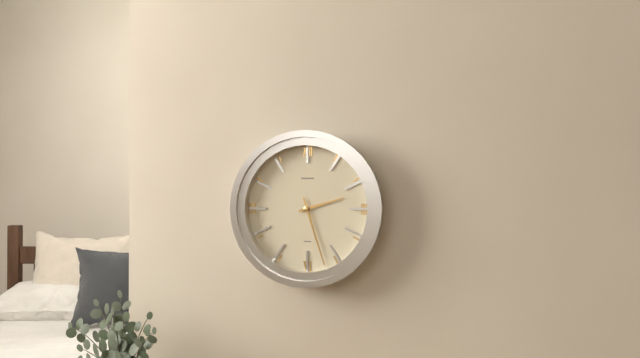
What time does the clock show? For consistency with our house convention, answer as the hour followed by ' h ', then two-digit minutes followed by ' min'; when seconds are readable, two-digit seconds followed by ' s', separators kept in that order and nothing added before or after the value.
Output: 2 h 27 min
